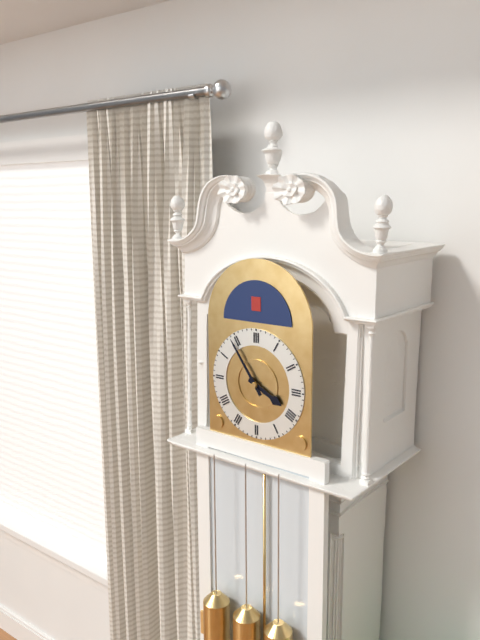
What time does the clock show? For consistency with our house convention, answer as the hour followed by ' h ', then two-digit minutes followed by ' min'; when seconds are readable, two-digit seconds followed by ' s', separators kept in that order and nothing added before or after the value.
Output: 3 h 54 min
